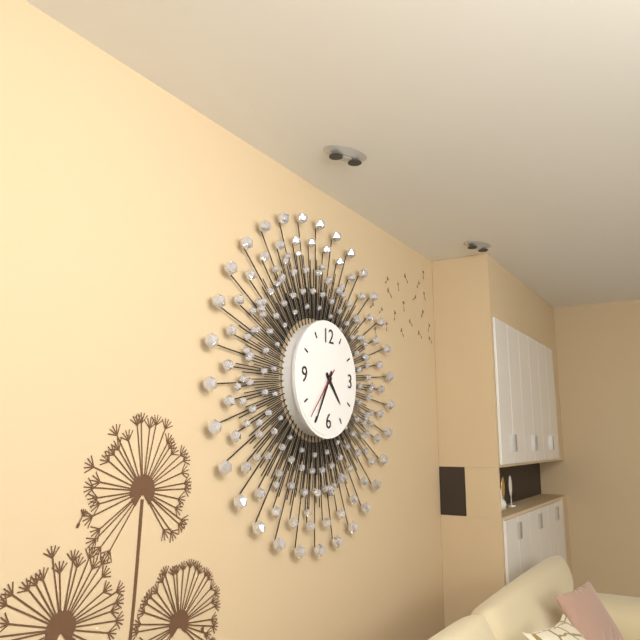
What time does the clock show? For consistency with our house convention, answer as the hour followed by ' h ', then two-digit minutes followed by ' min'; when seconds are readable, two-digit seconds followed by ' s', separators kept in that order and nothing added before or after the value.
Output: 4 h 35 min 37 s
